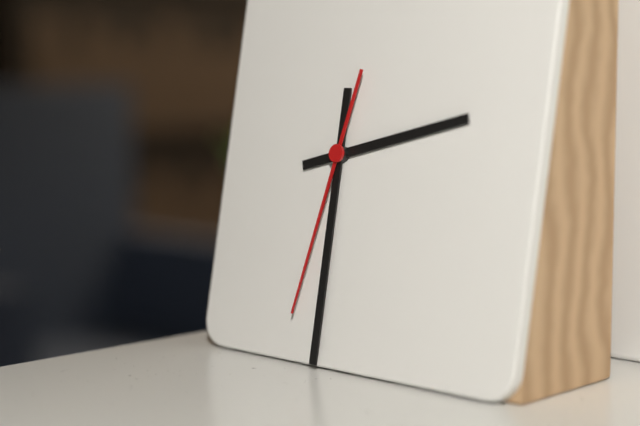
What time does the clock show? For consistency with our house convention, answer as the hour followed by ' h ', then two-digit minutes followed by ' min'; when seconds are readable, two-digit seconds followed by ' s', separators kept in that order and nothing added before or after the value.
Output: 2 h 30 min 32 s
